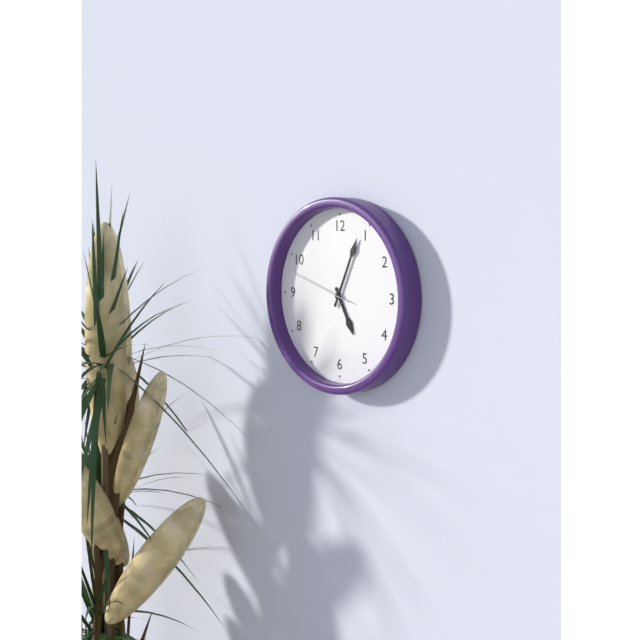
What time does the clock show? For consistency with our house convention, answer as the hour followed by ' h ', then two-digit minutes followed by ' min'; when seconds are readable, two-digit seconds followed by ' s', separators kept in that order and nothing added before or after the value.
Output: 5 h 04 min 48 s
